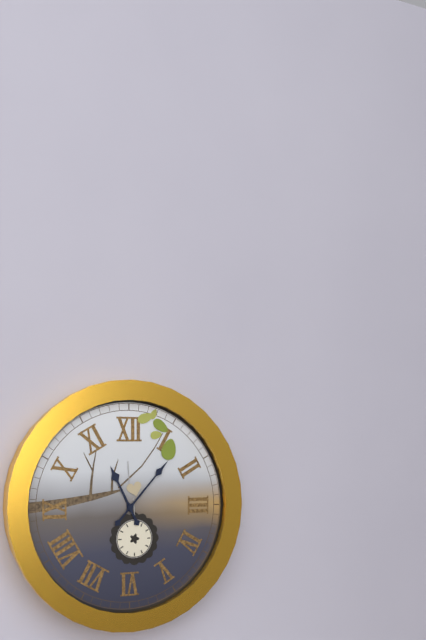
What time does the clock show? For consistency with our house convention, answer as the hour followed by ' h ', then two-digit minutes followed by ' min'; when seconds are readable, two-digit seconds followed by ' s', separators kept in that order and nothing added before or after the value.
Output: 11 h 07 min
